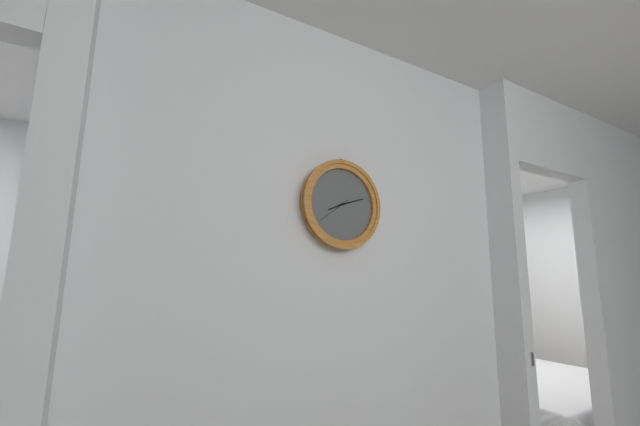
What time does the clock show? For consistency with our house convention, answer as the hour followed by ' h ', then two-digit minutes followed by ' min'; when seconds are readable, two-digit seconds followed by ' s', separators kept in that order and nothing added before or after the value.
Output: 8 h 12 min
